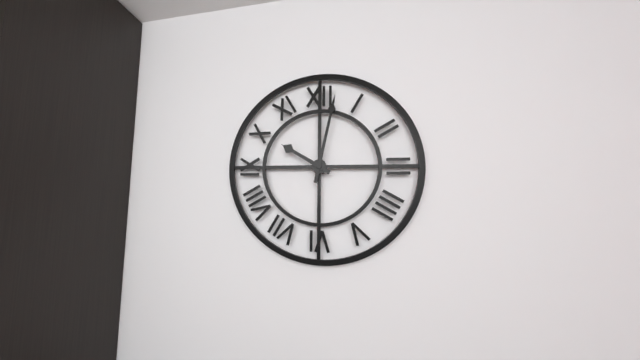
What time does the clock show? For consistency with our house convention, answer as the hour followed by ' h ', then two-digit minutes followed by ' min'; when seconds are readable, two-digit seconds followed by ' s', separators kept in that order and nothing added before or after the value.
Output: 10 h 02 min
